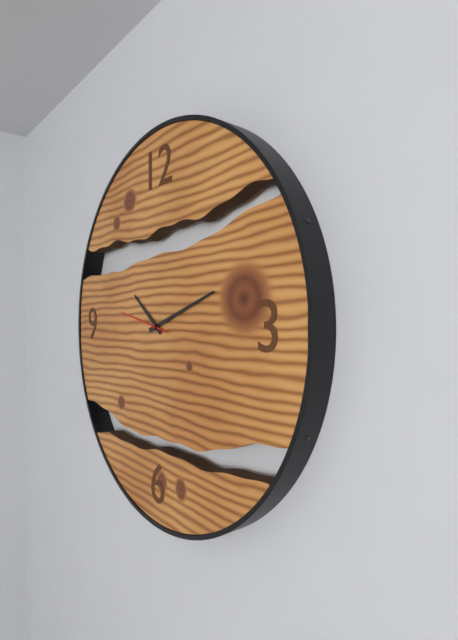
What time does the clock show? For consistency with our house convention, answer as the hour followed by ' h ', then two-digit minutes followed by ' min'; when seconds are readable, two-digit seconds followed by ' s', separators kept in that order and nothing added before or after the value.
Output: 10 h 12 min
